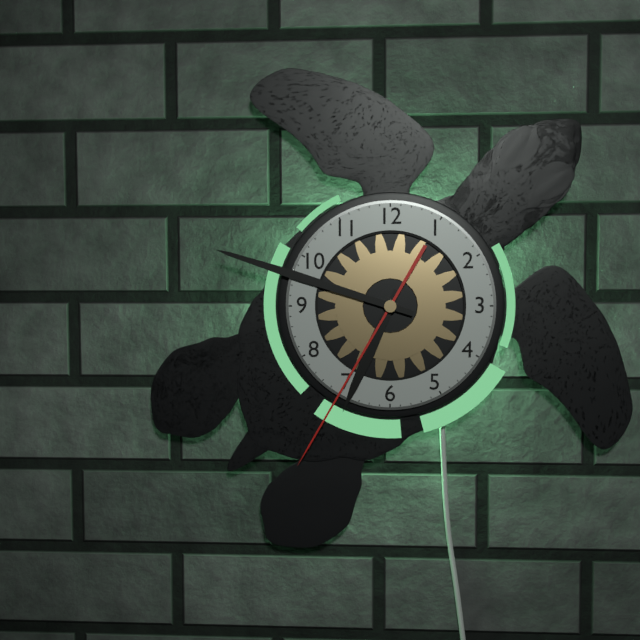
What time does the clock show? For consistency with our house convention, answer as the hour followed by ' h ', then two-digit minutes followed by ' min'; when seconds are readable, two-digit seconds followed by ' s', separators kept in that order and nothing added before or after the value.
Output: 6 h 48 min 35 s
